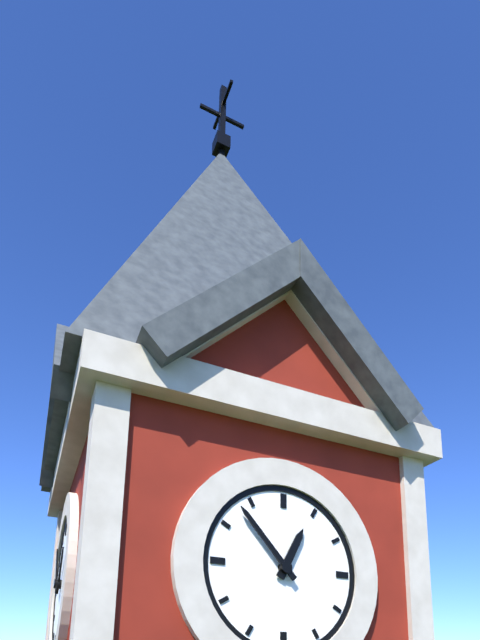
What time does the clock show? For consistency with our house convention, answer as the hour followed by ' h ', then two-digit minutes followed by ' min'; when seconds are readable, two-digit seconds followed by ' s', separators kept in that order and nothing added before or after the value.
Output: 12 h 53 min
